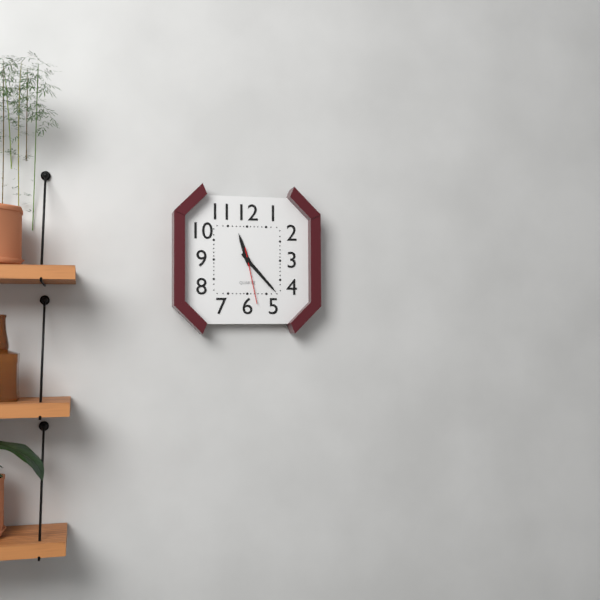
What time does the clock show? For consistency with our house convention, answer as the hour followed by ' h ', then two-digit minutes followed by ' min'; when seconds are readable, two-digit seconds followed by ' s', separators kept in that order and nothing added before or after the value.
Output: 11 h 23 min 28 s
